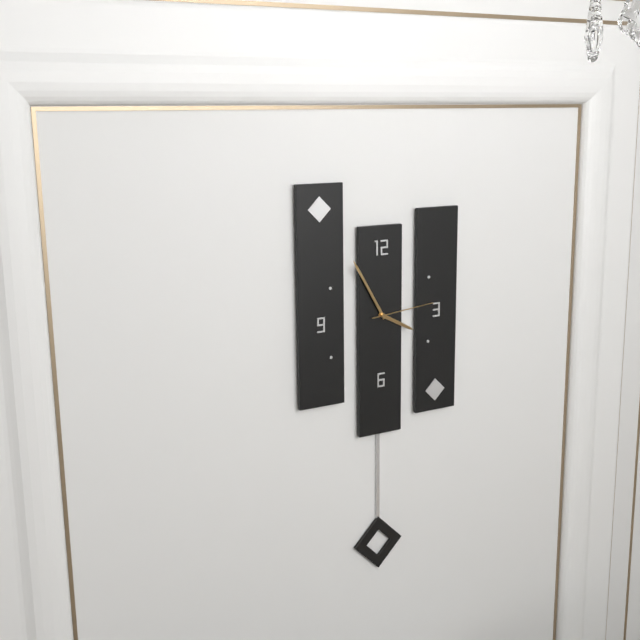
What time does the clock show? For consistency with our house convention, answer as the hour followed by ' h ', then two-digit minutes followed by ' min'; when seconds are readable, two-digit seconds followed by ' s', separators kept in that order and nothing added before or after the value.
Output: 3 h 55 min 14 s
